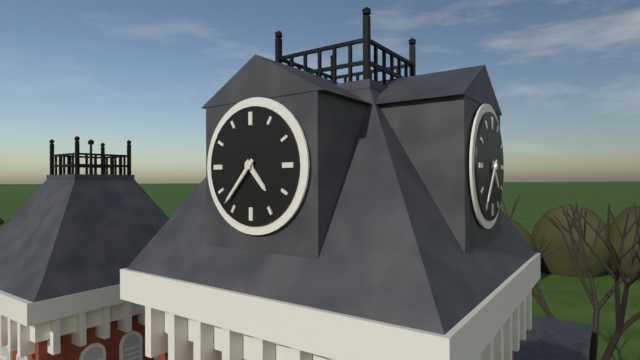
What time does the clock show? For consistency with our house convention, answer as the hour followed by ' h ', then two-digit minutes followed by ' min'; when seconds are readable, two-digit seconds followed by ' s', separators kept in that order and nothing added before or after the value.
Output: 4 h 37 min
